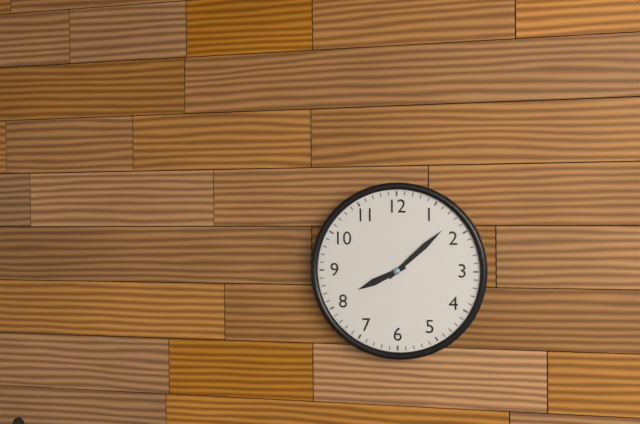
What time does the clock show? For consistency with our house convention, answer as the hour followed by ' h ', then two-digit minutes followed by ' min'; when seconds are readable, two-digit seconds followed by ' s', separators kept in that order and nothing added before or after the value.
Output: 8 h 08 min
